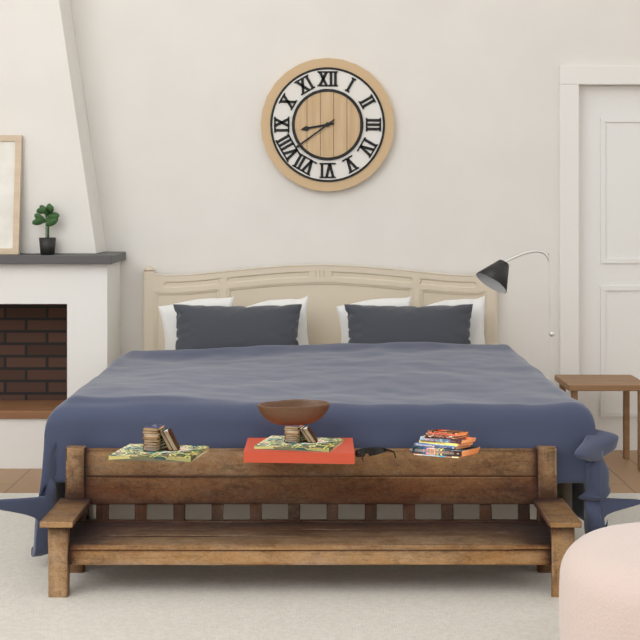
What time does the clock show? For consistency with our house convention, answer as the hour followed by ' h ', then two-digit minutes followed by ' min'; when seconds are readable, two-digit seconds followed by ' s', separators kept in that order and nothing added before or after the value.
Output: 8 h 39 min
